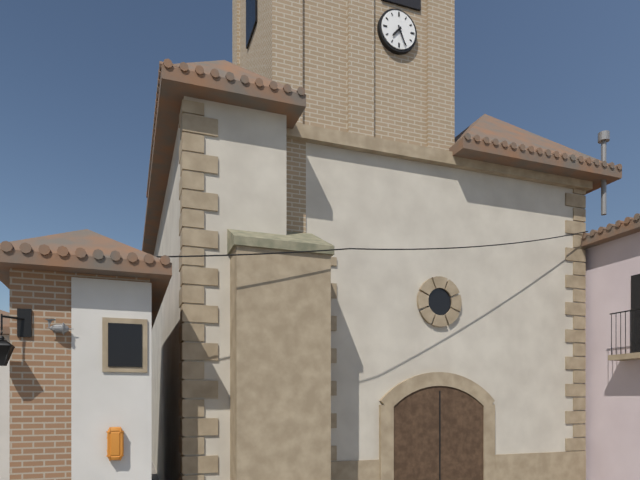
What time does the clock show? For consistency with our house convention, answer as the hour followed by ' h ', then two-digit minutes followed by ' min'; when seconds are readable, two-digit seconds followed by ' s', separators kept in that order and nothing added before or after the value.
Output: 7 h 26 min
